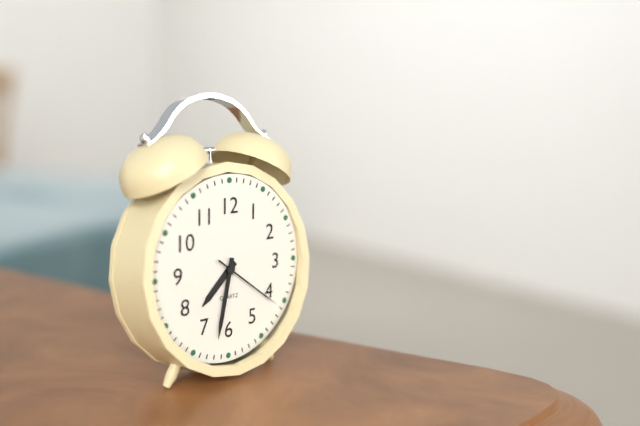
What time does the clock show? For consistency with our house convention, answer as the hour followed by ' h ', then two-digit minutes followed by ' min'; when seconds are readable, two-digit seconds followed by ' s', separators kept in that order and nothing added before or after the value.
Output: 7 h 32 min 21 s
